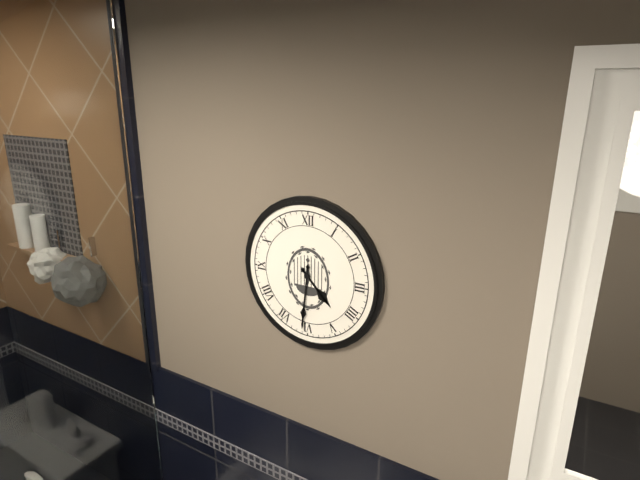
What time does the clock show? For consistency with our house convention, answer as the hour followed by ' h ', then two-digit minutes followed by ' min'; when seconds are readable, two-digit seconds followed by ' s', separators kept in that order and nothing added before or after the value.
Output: 4 h 31 min
